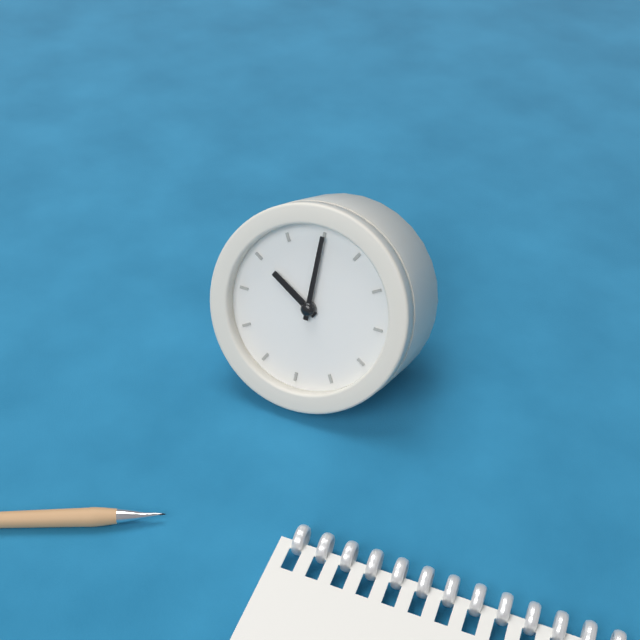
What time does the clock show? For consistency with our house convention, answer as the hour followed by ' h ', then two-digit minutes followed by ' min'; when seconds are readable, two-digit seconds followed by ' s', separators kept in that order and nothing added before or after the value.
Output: 10 h 00 min
